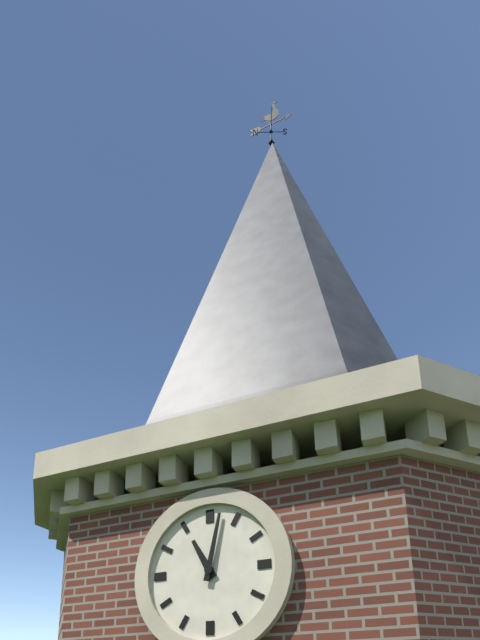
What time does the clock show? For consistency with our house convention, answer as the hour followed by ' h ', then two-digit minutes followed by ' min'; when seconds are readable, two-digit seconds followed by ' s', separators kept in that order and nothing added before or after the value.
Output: 11 h 02 min
